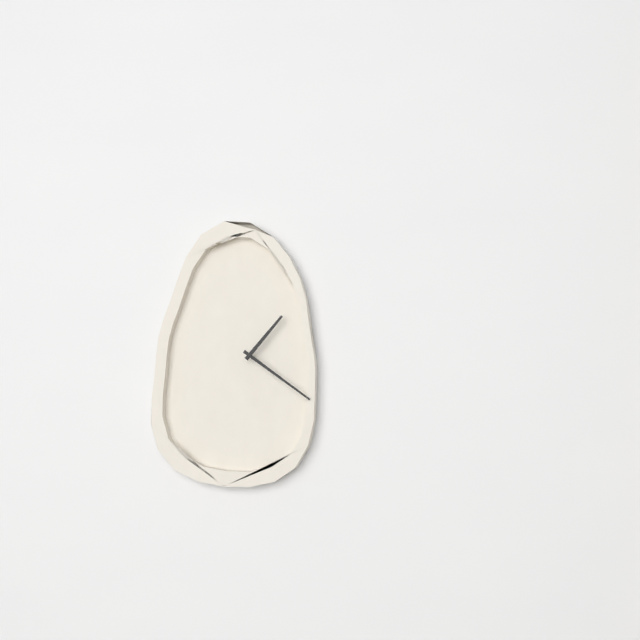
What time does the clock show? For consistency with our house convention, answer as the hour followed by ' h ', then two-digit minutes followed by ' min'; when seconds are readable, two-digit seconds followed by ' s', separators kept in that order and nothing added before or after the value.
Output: 1 h 21 min
